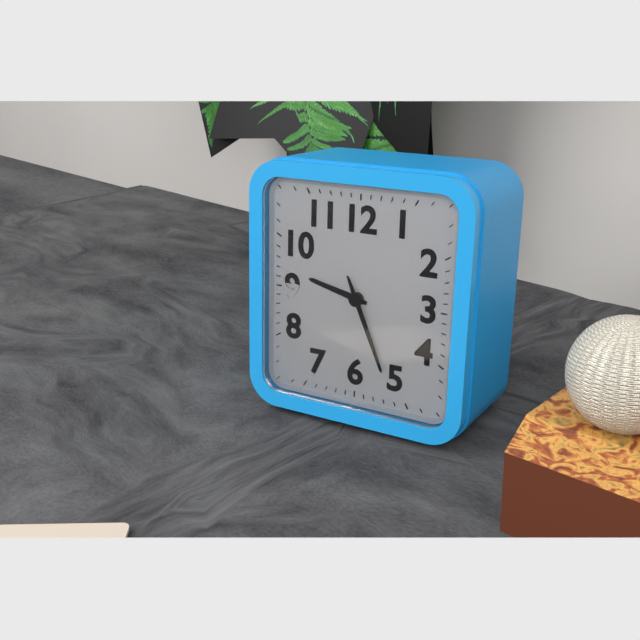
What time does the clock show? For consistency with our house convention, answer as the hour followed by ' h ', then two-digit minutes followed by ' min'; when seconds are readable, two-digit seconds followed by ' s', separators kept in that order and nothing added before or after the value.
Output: 9 h 26 min
